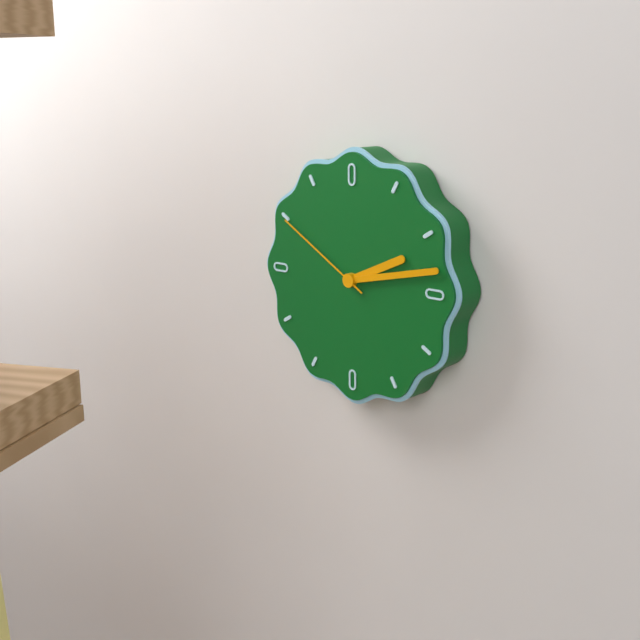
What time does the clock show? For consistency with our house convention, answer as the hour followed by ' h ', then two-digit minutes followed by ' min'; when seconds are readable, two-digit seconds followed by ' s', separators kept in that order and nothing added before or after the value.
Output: 2 h 13 min 50 s
